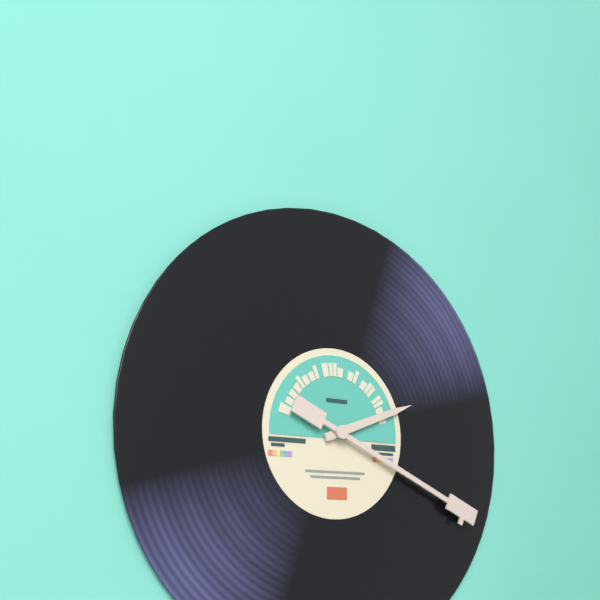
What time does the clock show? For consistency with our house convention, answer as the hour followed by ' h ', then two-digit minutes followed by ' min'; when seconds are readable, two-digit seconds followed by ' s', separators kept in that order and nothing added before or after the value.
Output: 2 h 19 min
